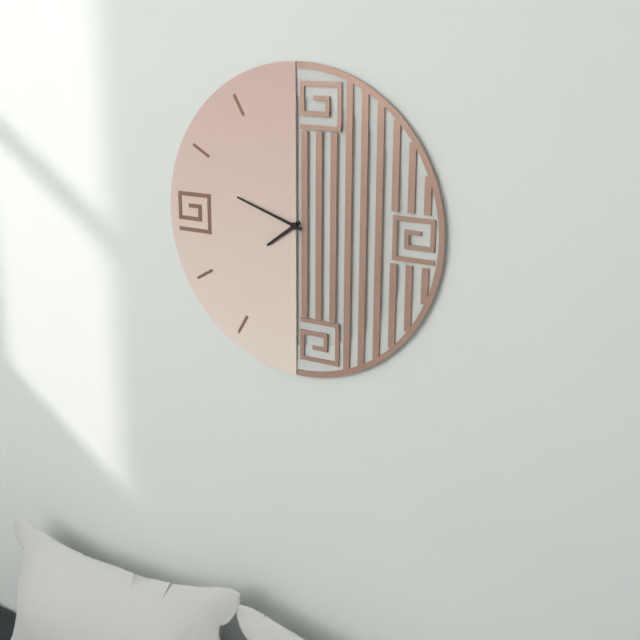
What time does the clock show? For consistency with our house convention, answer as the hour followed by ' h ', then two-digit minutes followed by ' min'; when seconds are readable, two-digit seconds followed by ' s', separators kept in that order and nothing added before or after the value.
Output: 7 h 48 min
